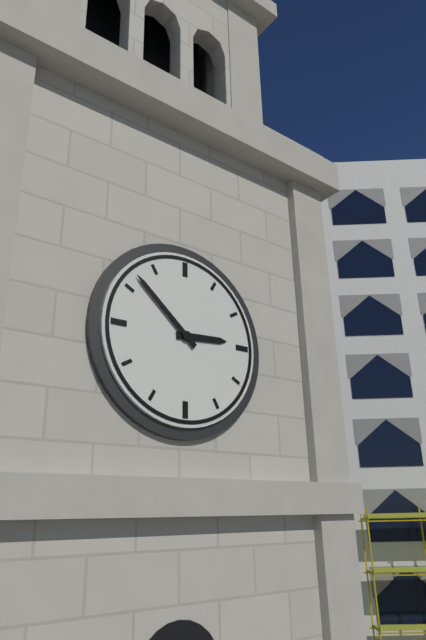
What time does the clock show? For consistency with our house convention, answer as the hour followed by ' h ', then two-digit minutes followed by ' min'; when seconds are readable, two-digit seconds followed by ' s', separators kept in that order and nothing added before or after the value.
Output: 2 h 52 min
